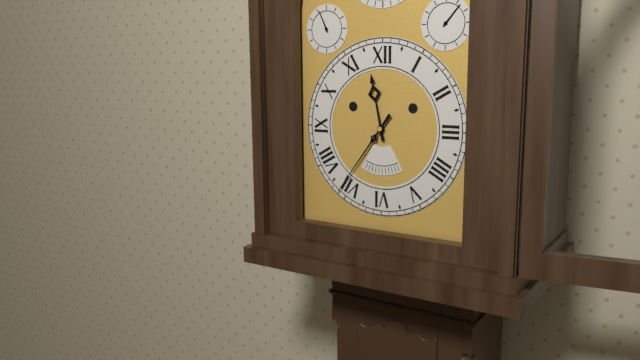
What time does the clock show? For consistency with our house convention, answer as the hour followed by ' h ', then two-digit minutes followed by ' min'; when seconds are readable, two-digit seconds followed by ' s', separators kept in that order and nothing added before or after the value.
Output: 11 h 36 min
